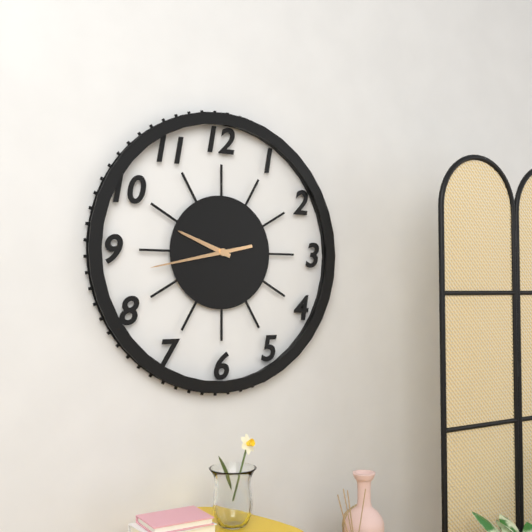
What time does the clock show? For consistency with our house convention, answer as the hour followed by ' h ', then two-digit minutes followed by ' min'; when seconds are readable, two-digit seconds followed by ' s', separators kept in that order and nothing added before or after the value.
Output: 9 h 43 min
